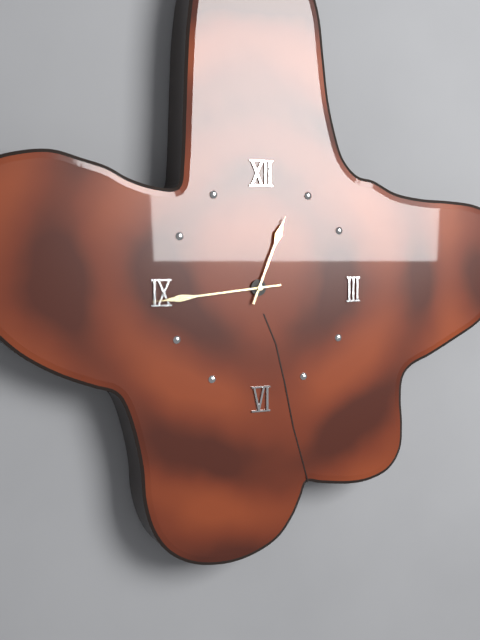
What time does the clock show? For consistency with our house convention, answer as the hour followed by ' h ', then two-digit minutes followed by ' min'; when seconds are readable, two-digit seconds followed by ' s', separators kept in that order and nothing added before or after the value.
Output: 12 h 44 min
